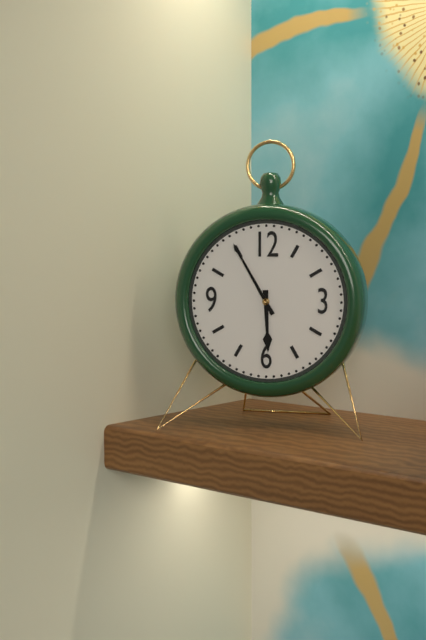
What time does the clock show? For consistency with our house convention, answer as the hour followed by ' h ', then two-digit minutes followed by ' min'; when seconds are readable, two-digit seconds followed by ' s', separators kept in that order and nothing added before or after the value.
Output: 5 h 55 min
